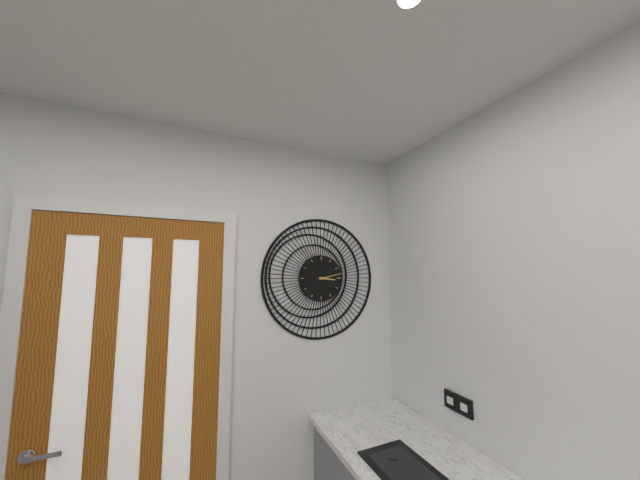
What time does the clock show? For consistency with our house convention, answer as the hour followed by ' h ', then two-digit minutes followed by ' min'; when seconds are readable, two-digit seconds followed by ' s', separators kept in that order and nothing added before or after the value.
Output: 3 h 13 min
